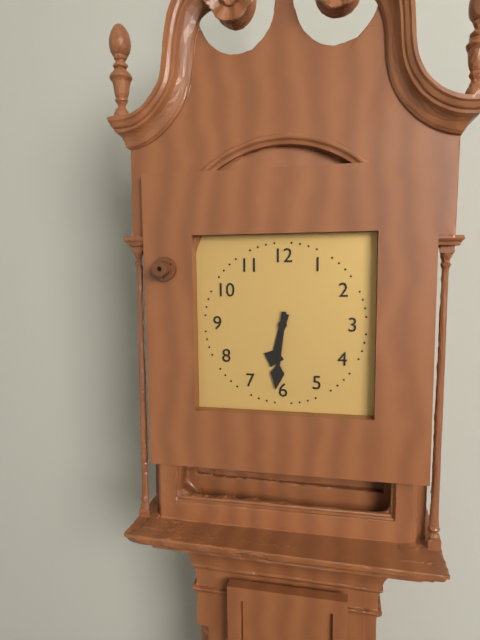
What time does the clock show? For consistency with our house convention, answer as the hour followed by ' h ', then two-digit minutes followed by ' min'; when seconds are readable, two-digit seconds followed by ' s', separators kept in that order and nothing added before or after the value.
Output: 6 h 31 min
